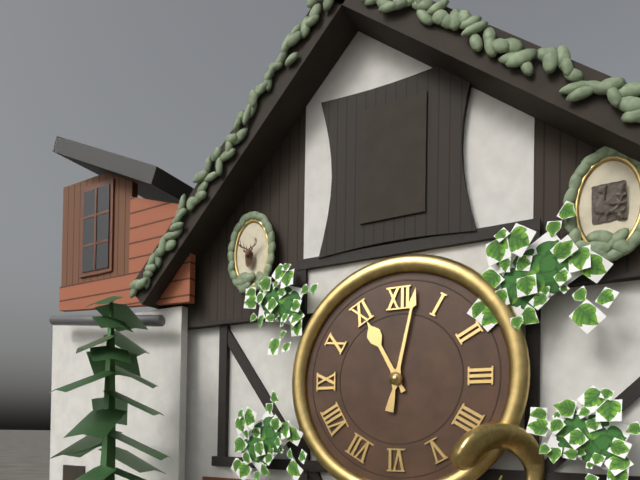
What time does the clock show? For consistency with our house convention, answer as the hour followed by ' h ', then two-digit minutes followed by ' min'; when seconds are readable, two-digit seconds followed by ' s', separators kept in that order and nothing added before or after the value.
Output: 11 h 02 min
